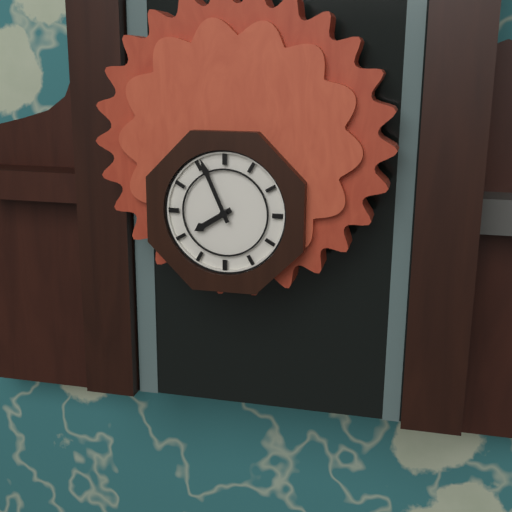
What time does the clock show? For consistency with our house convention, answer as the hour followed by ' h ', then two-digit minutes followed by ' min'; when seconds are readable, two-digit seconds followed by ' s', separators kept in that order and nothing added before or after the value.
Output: 7 h 56 min
